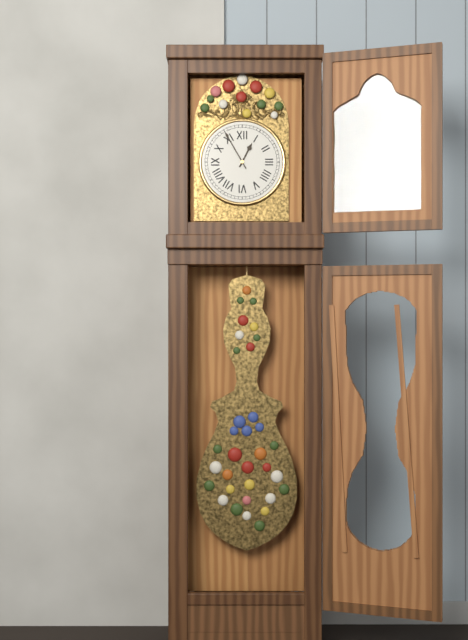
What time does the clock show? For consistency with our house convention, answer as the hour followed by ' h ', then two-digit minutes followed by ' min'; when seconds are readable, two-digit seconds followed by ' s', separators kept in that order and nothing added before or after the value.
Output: 12 h 55 min
